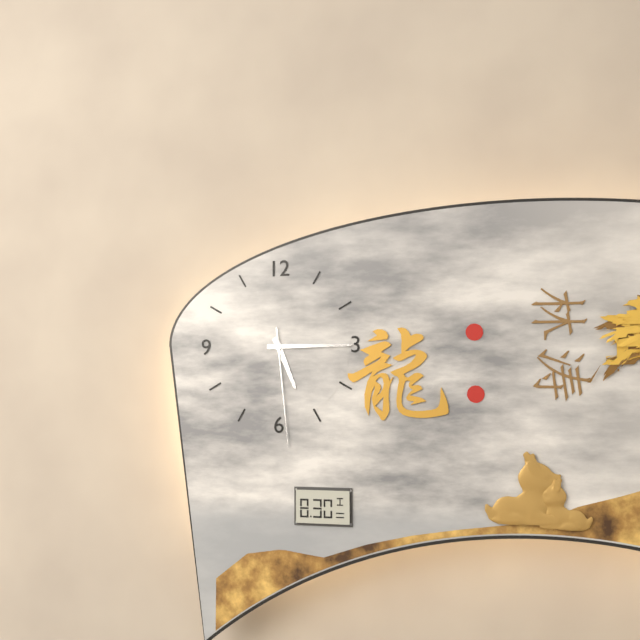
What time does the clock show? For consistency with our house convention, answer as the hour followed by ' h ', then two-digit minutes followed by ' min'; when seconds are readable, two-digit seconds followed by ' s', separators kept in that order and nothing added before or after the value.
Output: 5 h 15 min 29 s
